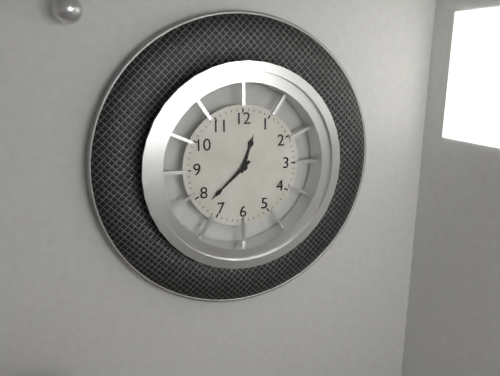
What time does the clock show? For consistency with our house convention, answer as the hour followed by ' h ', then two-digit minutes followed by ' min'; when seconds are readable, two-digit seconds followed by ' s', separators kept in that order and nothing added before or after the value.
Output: 12 h 38 min
